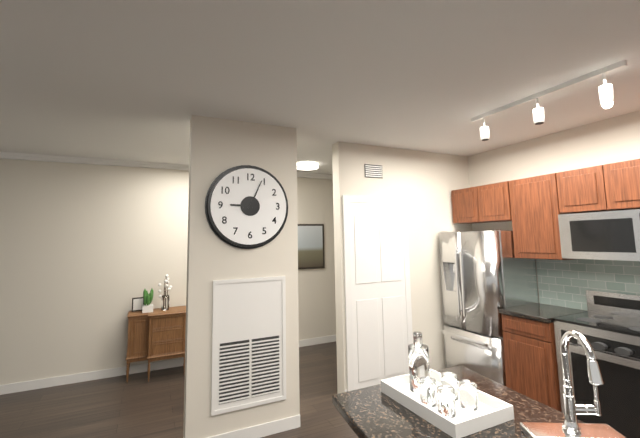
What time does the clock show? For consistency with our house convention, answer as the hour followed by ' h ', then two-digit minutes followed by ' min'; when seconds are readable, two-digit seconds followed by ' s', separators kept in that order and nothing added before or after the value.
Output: 9 h 04 min
